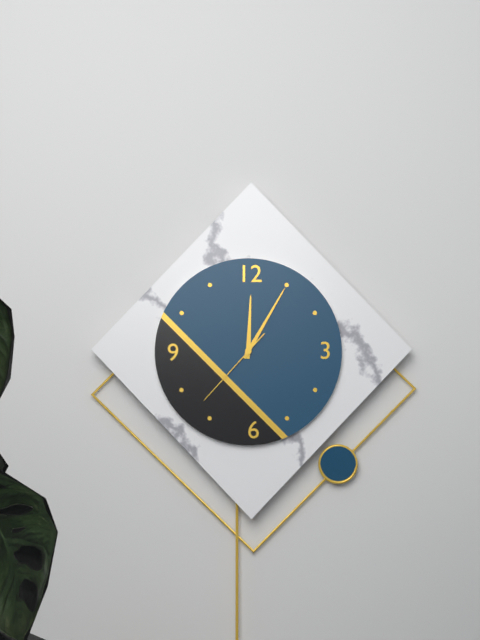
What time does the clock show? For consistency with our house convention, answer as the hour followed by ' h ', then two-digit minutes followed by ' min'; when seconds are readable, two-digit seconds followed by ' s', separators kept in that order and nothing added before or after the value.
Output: 12 h 05 min 37 s
